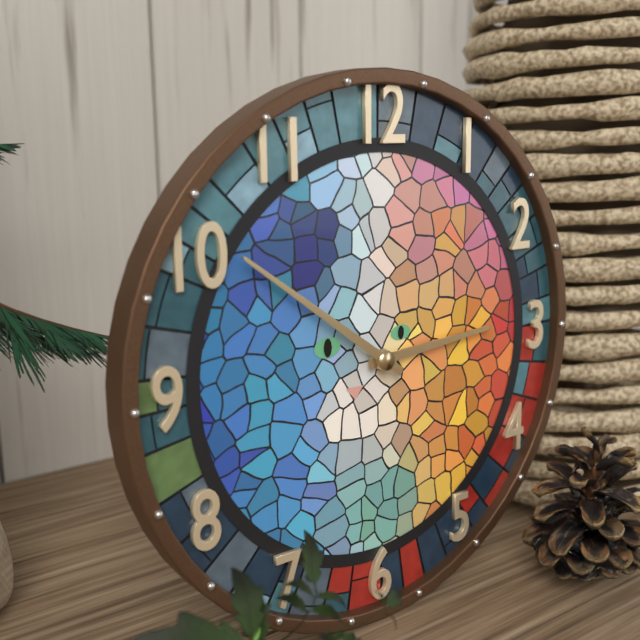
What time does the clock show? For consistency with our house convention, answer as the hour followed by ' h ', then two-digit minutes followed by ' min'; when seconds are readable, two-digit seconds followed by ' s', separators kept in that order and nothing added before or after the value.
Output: 2 h 51 min
